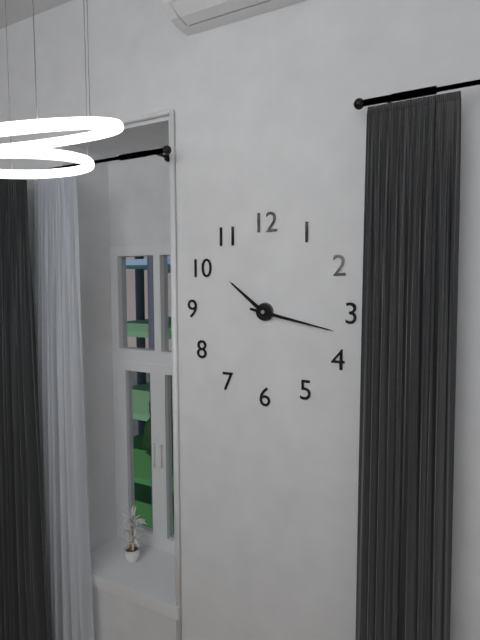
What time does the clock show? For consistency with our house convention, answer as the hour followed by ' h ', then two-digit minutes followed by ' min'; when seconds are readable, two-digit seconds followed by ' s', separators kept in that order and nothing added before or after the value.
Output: 10 h 17 min
